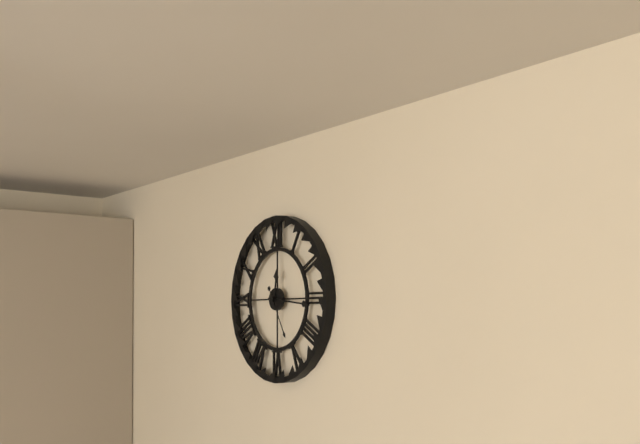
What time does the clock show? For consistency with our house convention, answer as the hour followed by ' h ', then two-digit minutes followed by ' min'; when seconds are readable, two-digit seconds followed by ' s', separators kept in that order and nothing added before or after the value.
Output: 12 h 16 min
